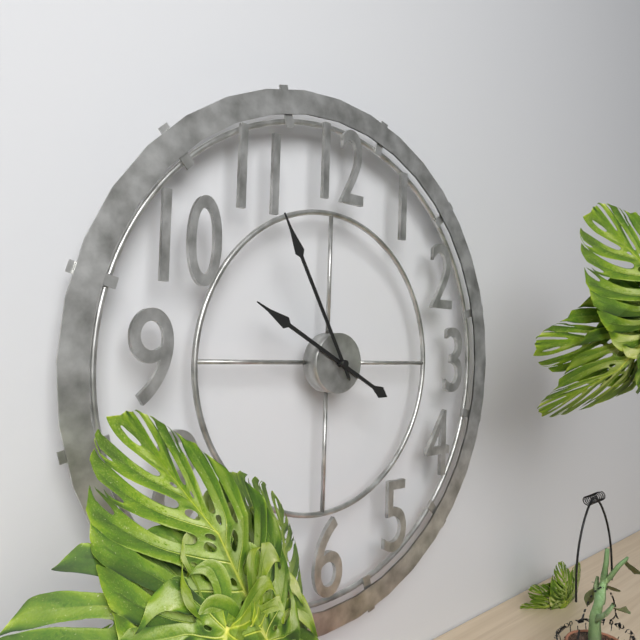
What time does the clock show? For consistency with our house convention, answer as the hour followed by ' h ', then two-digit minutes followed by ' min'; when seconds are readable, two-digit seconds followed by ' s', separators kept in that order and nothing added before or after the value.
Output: 9 h 55 min
